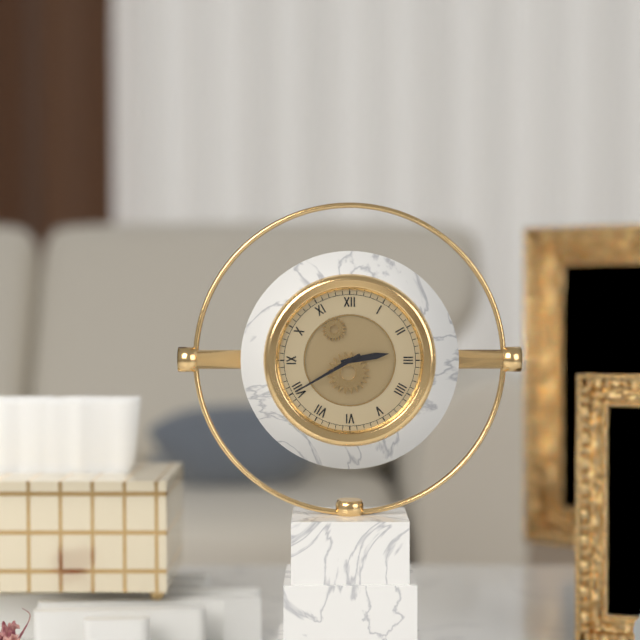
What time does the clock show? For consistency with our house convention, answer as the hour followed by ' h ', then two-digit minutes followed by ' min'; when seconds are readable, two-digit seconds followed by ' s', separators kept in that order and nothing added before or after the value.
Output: 2 h 40 min
